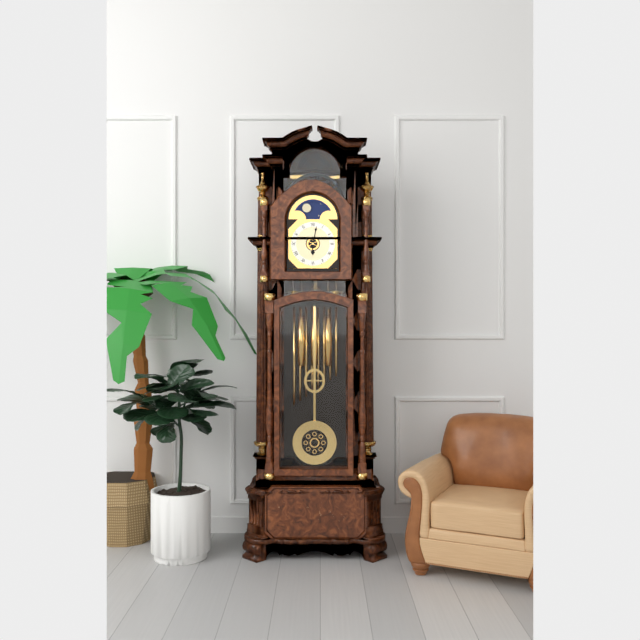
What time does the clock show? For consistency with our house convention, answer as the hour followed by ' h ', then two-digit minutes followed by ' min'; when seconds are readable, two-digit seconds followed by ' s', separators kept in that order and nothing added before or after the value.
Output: 6 h 02 min
